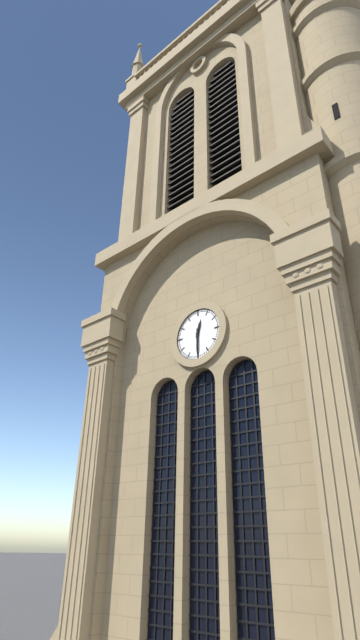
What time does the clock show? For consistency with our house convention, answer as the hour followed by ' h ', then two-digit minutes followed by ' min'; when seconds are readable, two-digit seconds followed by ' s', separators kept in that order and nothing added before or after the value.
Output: 12 h 30 min
